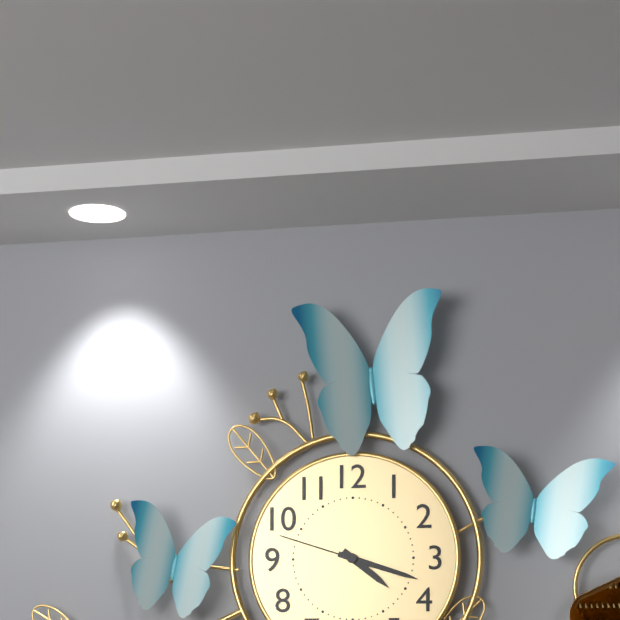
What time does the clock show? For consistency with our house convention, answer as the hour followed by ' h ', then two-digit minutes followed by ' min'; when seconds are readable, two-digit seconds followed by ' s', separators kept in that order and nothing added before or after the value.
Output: 4 h 18 min 48 s
